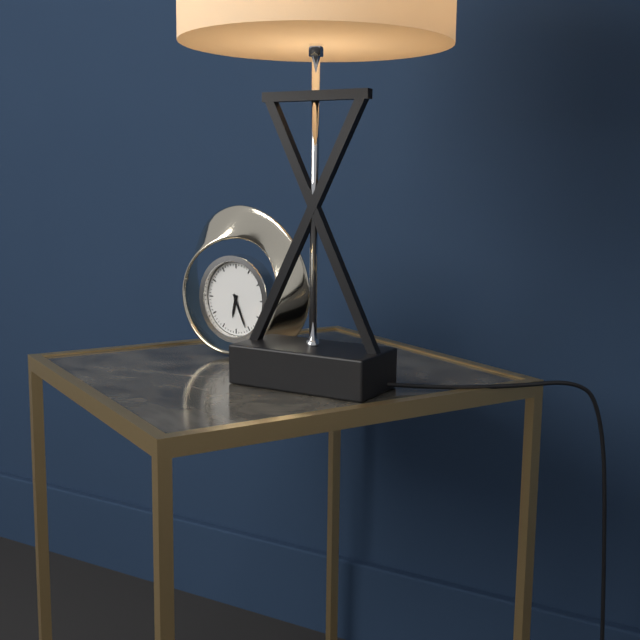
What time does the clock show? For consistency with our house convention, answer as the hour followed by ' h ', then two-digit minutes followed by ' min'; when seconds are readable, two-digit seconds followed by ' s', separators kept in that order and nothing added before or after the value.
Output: 6 h 26 min
